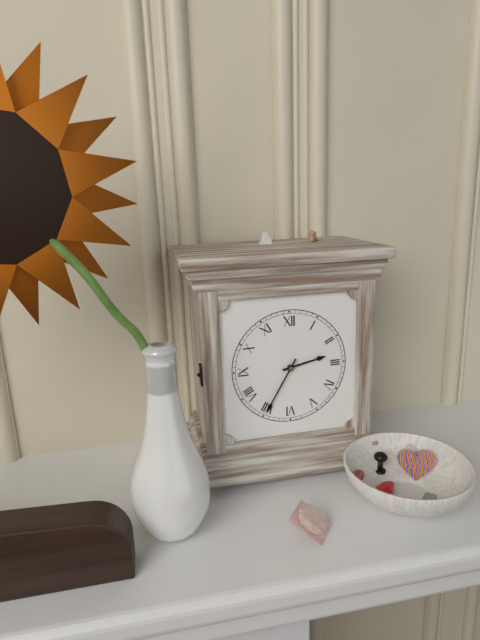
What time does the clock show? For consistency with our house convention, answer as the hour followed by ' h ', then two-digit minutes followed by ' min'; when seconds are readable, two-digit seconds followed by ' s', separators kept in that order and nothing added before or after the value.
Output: 2 h 35 min
